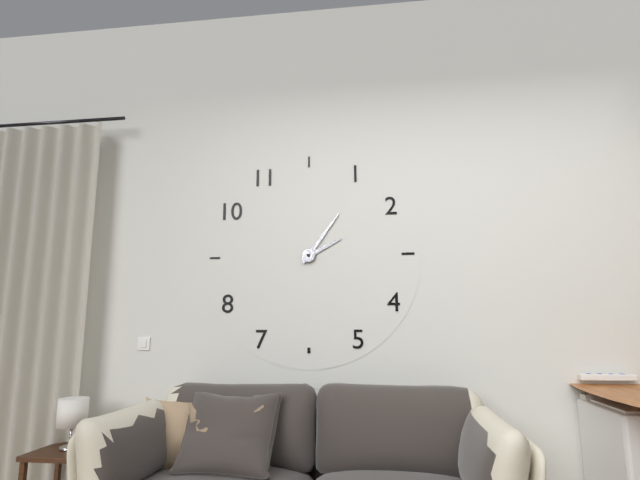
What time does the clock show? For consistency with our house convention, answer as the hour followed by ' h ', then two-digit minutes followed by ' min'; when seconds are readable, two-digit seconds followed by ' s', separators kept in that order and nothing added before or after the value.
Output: 2 h 06 min
